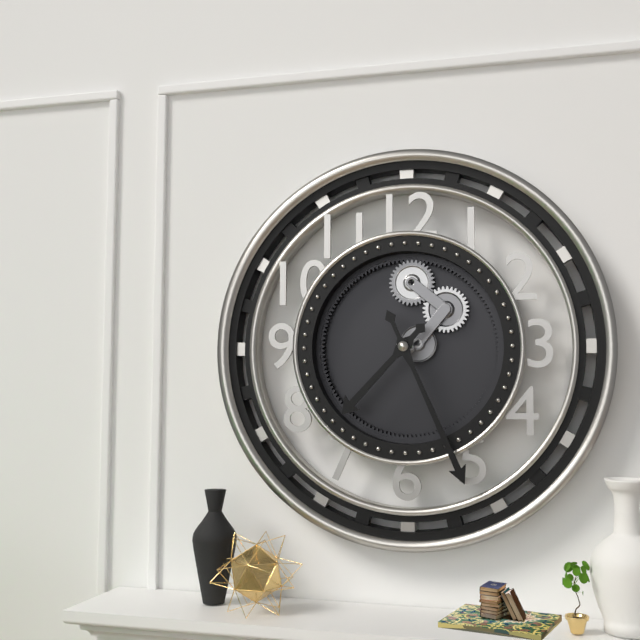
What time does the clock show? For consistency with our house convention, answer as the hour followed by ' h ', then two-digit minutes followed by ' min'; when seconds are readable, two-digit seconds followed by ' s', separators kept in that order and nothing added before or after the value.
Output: 7 h 26 min
